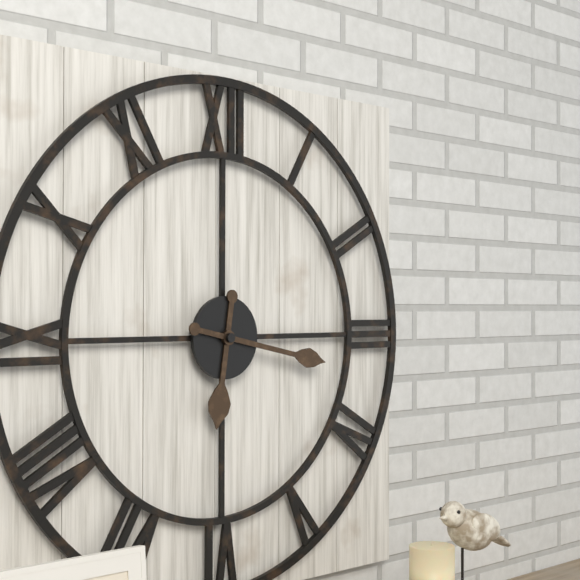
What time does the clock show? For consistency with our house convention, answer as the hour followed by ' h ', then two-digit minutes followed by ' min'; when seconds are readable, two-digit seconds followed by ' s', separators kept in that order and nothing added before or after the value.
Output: 6 h 17 min
